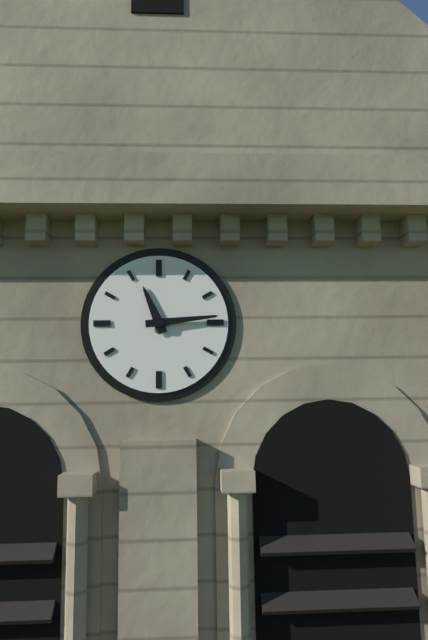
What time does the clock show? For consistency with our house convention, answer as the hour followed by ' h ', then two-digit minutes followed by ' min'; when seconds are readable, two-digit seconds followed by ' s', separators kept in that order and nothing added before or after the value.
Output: 11 h 14 min
